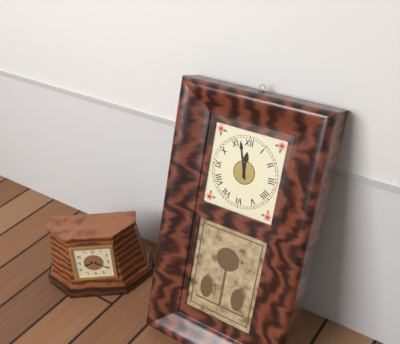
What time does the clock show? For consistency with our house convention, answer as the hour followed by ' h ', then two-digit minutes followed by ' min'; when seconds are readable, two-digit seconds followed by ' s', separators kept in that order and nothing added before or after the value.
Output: 11 h 57 min
